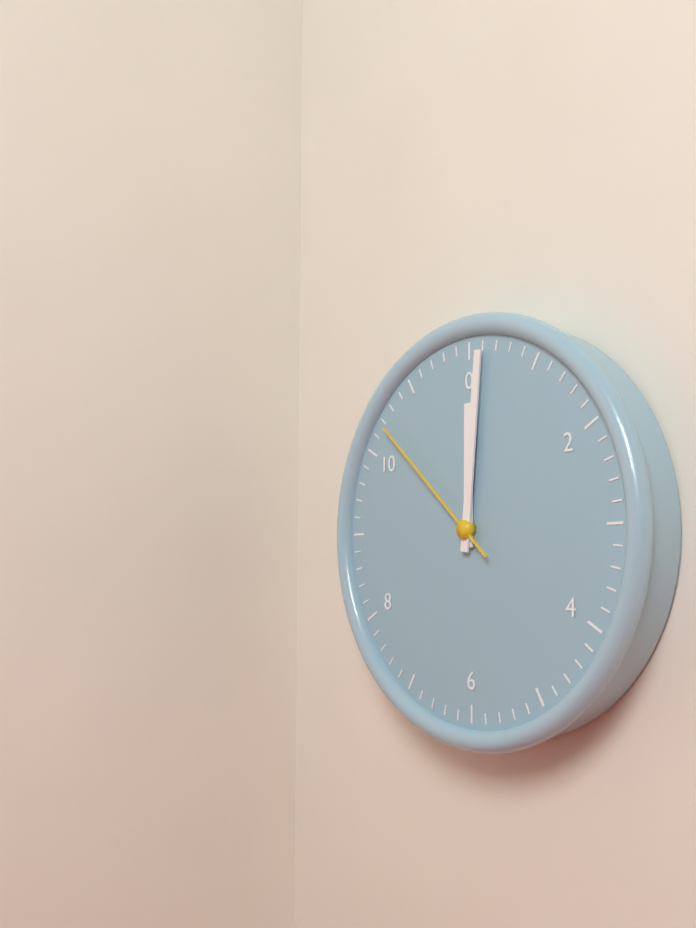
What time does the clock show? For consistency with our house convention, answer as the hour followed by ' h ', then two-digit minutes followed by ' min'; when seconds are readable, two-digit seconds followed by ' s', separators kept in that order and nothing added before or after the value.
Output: 12 h 01 min 52 s
